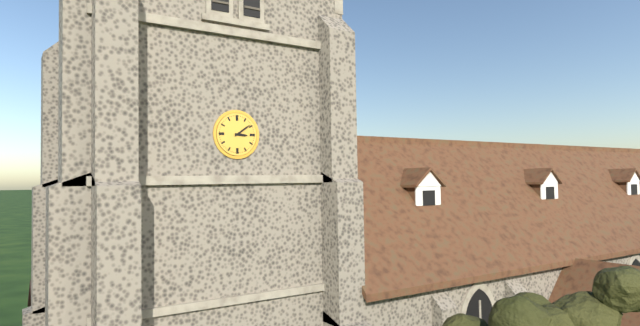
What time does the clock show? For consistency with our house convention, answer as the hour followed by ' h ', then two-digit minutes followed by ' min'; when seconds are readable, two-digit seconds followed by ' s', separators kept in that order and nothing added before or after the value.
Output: 3 h 09 min
